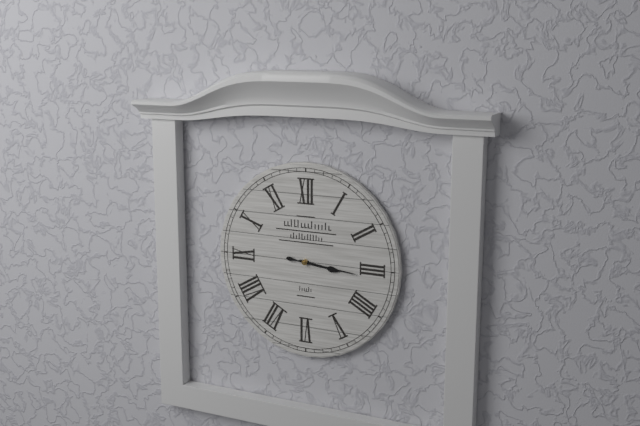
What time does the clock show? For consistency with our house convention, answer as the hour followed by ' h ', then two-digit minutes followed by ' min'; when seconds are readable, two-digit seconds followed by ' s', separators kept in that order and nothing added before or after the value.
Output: 3 h 16 min
